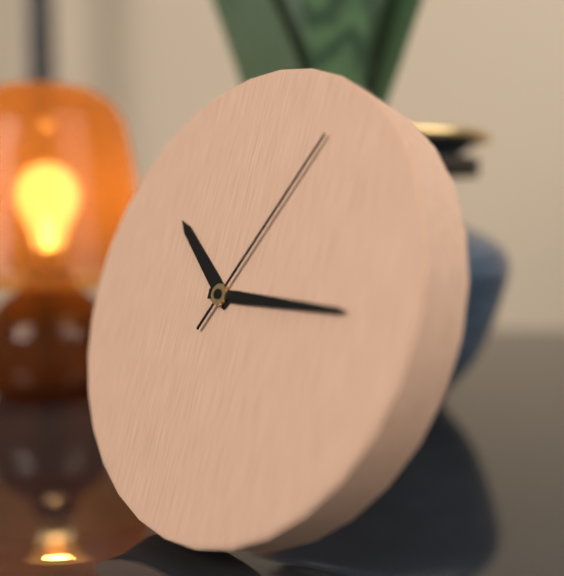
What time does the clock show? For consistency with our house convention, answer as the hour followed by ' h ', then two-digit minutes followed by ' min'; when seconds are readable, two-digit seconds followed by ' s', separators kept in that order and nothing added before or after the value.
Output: 10 h 15 min 05 s
